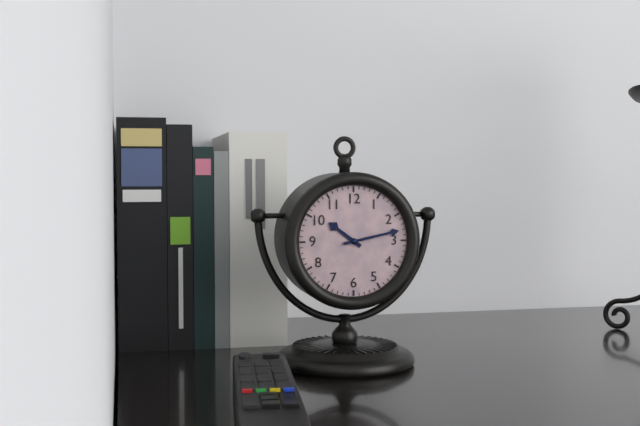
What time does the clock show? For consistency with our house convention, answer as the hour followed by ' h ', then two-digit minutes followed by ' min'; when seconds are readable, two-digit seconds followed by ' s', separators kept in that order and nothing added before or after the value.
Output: 10 h 13 min
